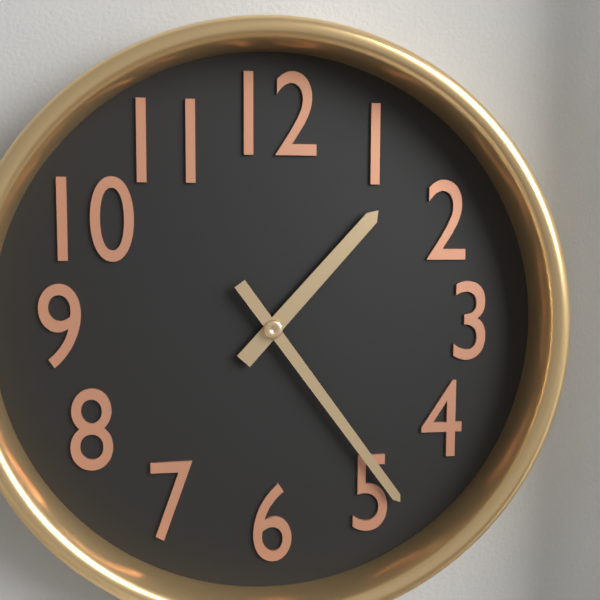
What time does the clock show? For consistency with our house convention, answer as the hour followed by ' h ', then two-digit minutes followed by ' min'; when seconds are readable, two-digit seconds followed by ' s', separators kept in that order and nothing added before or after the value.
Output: 1 h 24 min
